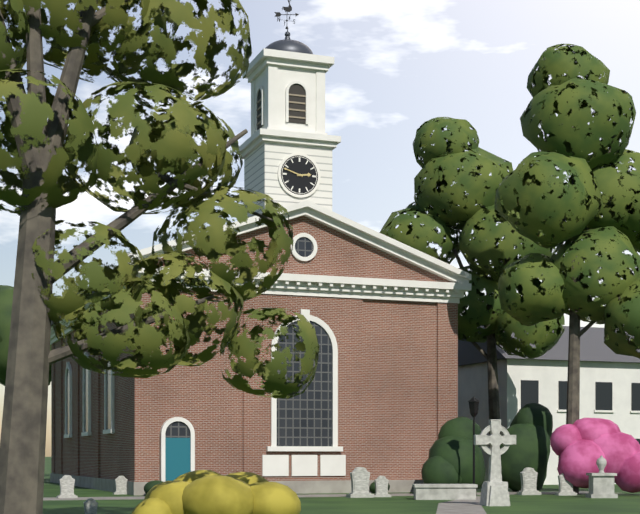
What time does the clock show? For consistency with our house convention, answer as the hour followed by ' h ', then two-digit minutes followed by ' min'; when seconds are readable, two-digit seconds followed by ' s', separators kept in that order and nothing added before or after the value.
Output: 2 h 48 min
